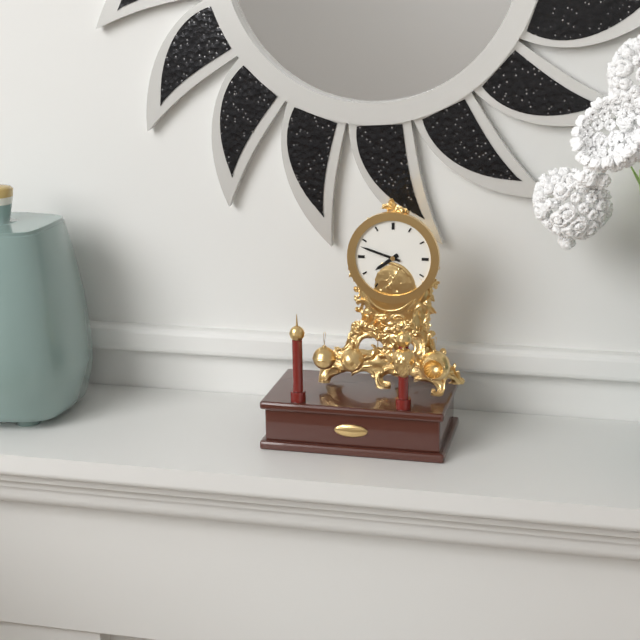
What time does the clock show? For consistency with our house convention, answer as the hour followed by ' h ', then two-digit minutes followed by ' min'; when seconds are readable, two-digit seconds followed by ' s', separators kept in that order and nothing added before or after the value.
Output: 7 h 48 min
